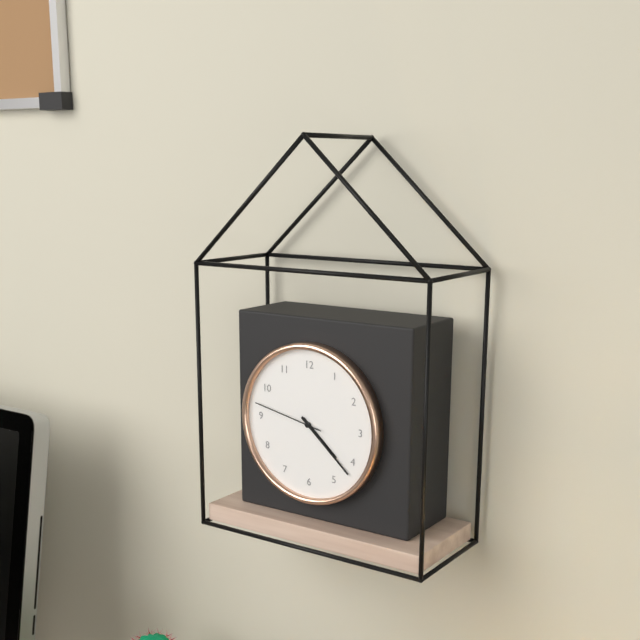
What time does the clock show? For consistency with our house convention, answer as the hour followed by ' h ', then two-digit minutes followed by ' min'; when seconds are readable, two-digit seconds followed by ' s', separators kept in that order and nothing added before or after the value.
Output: 4 h 22 min 47 s
